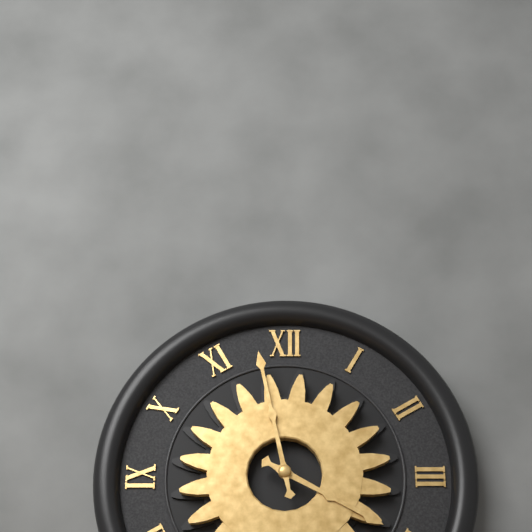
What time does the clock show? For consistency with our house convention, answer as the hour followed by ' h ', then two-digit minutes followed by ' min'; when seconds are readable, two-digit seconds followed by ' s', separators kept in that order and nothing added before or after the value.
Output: 3 h 58 min
